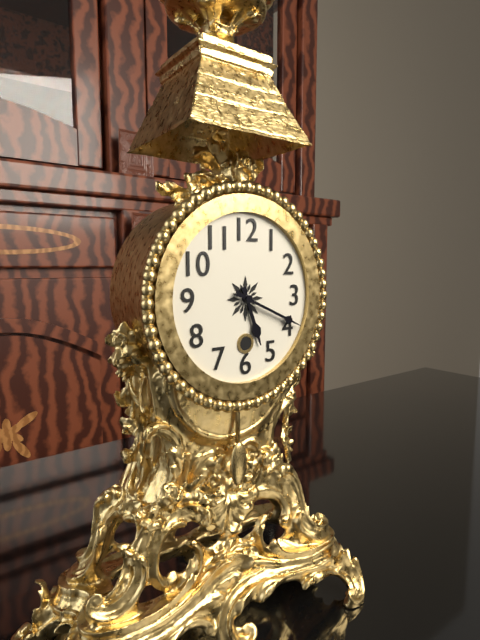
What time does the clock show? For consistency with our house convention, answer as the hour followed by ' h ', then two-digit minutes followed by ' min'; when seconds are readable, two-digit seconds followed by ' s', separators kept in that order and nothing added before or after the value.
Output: 5 h 19 min
